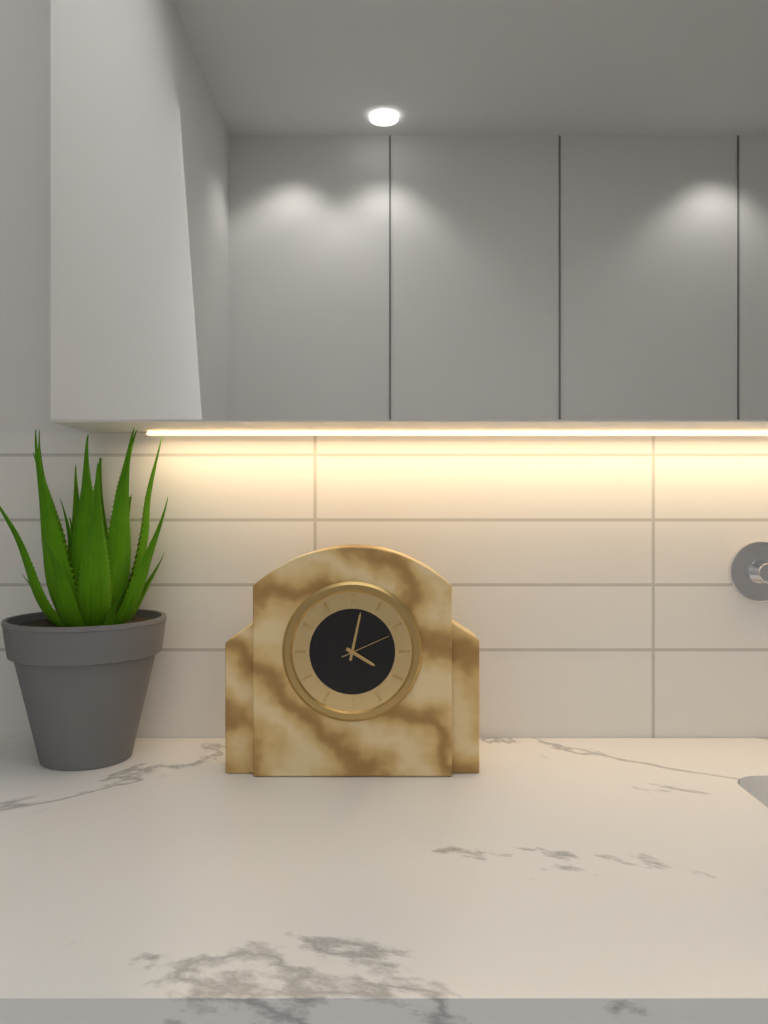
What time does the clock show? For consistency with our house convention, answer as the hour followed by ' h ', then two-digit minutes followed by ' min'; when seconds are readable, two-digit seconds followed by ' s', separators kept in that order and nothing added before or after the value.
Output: 4 h 02 min
